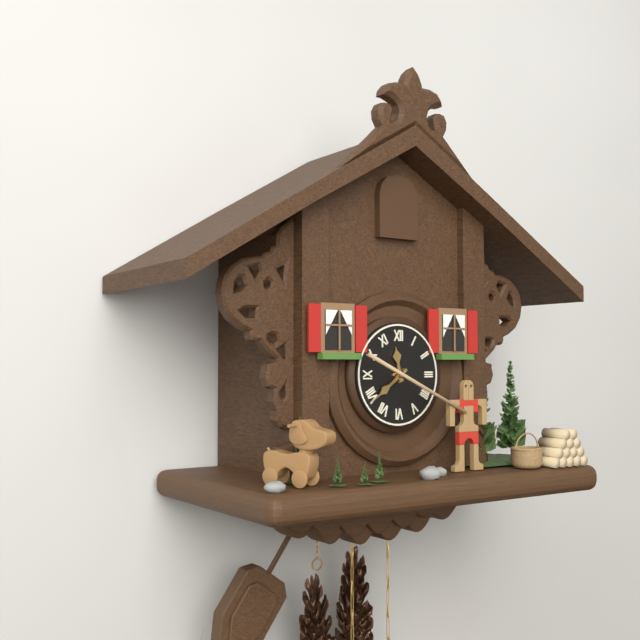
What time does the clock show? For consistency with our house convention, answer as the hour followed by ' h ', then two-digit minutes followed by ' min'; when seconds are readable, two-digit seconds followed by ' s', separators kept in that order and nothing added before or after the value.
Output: 11 h 39 min
